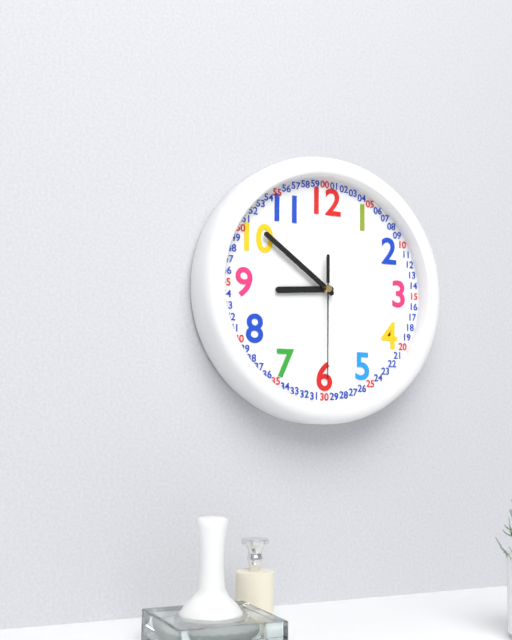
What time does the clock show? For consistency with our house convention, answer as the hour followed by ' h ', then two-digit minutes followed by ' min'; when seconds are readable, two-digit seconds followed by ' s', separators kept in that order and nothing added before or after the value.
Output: 8 h 51 min 30 s
